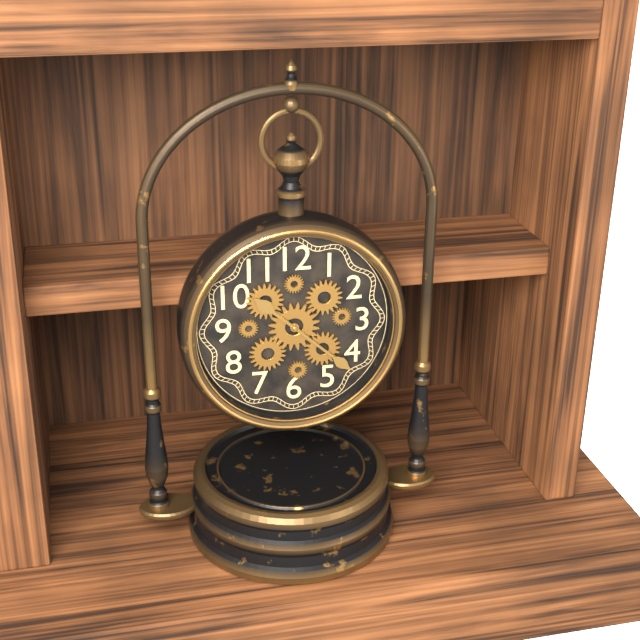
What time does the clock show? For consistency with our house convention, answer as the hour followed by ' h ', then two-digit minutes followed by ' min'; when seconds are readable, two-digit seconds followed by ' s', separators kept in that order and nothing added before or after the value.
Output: 10 h 22 min
